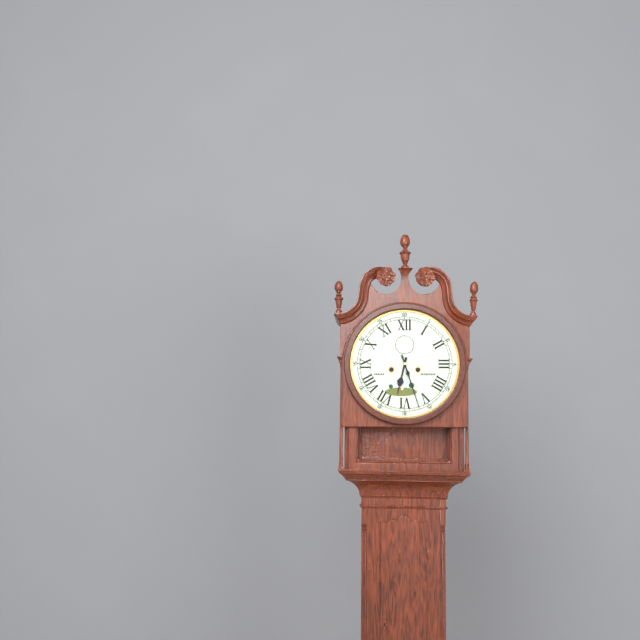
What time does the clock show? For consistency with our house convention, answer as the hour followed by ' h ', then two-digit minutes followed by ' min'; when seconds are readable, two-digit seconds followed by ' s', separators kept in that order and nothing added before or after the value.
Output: 6 h 27 min
